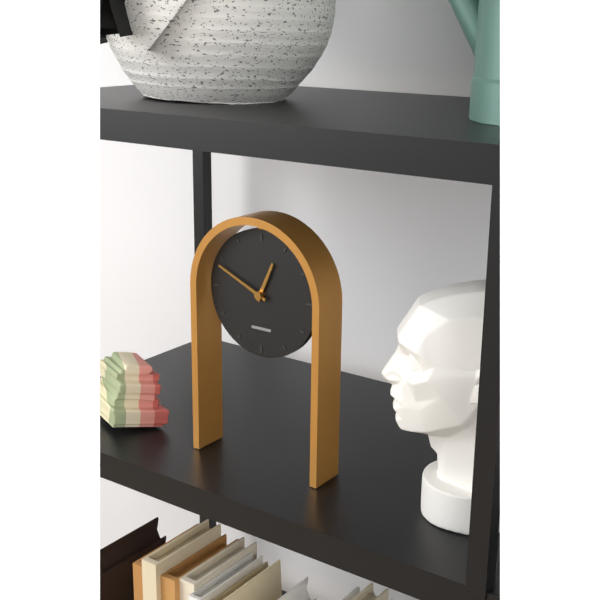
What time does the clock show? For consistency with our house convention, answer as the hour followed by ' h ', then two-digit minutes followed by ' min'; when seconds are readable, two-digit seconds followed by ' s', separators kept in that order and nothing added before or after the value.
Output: 12 h 49 min
